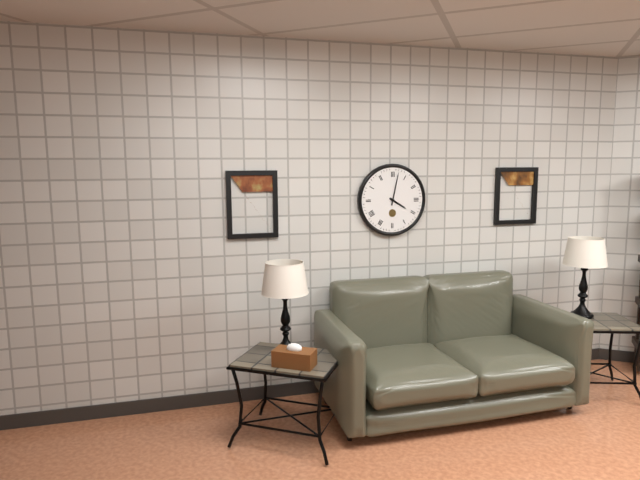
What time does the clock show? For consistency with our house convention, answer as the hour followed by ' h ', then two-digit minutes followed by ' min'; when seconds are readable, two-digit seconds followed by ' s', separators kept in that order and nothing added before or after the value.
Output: 4 h 02 min
